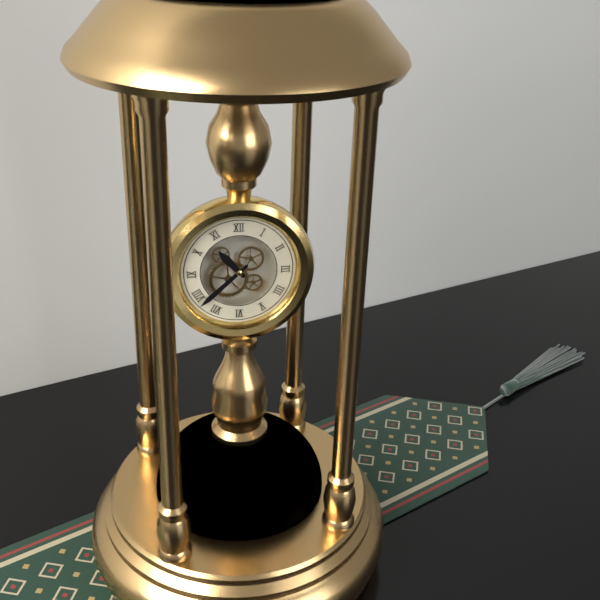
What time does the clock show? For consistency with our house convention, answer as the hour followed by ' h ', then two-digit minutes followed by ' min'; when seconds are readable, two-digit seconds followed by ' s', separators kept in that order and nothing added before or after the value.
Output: 10 h 38 min
